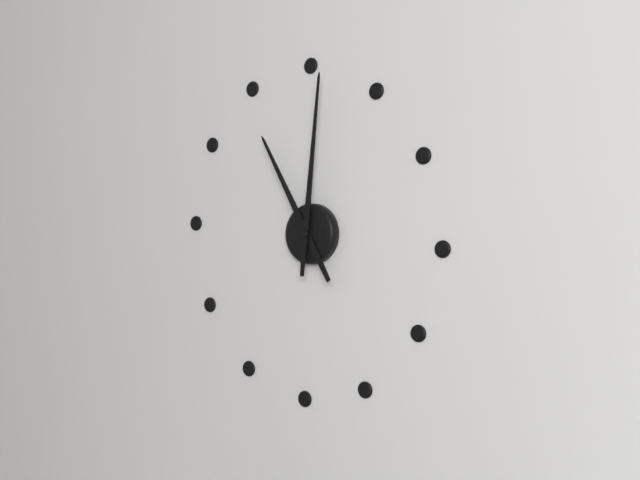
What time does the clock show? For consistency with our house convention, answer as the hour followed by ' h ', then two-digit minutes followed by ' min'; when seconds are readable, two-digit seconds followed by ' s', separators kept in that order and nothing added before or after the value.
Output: 11 h 01 min
